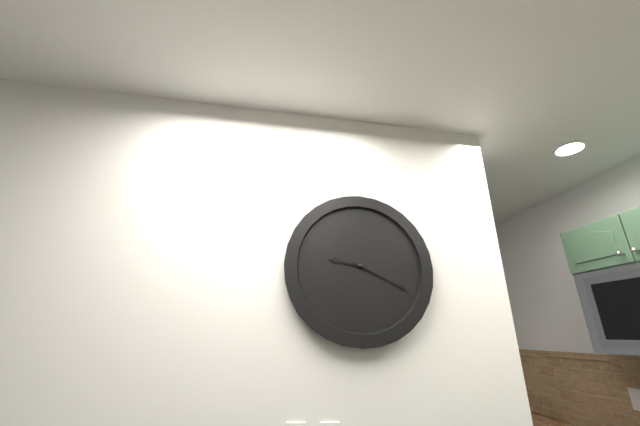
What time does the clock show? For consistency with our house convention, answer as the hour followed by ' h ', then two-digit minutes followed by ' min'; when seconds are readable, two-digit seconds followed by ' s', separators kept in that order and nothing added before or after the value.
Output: 9 h 19 min
